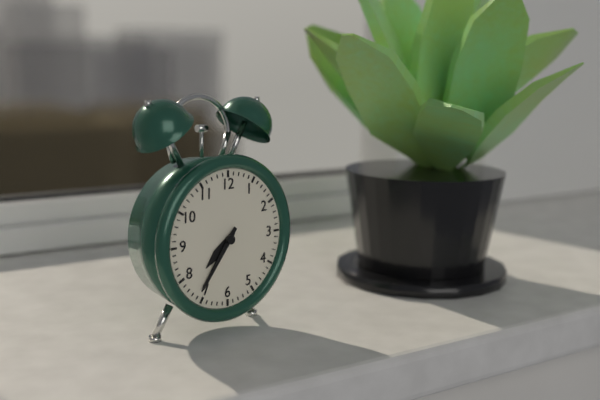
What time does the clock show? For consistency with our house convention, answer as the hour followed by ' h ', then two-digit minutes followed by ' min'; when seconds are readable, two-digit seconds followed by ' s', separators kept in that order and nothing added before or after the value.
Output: 7 h 36 min
